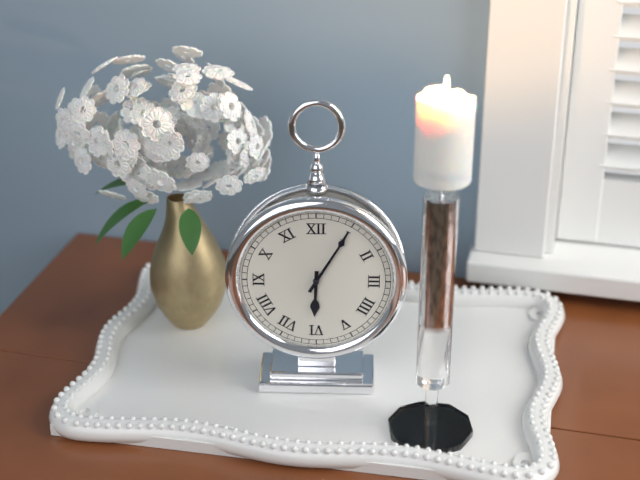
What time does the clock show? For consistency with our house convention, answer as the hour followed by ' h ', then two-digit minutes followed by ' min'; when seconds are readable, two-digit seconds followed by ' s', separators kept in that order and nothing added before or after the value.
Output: 6 h 05 min
